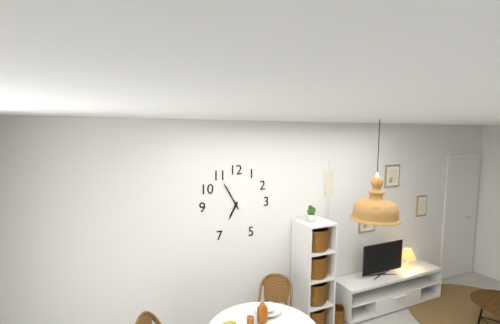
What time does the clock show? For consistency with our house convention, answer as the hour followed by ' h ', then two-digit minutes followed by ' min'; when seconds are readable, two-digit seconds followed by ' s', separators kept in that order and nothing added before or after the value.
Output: 6 h 55 min
